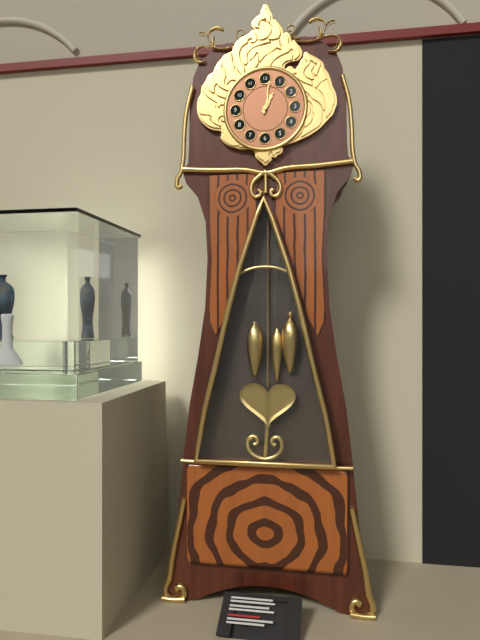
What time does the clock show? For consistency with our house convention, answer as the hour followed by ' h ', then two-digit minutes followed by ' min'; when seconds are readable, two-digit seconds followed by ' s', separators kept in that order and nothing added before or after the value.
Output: 1 h 02 min
